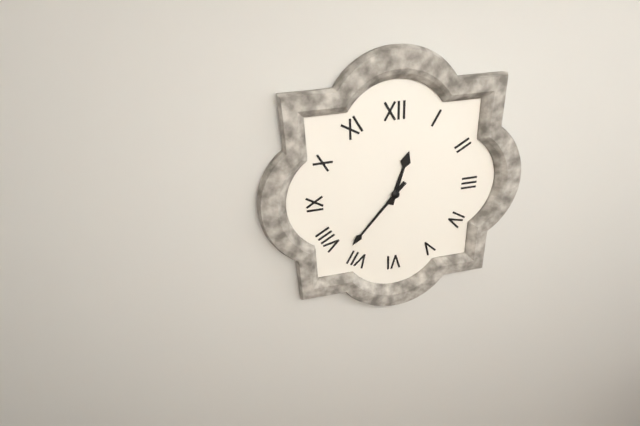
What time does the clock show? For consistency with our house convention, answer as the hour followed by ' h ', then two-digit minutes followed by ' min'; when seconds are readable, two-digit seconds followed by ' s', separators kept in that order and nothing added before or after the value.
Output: 12 h 37 min
